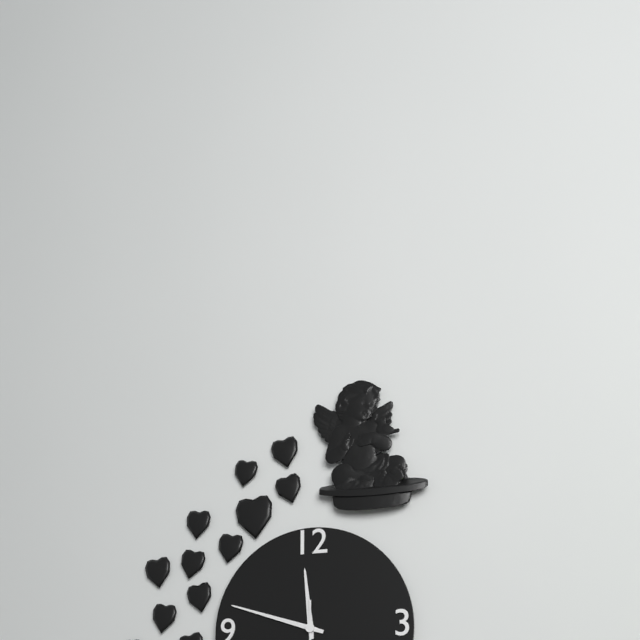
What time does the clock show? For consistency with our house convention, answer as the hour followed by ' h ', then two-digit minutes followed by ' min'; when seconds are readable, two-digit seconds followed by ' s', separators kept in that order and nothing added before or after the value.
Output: 11 h 48 min
